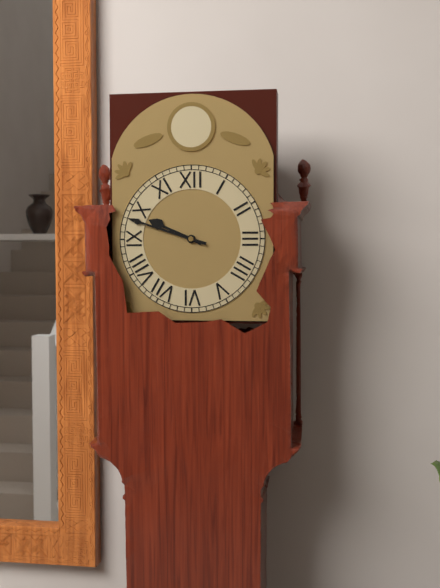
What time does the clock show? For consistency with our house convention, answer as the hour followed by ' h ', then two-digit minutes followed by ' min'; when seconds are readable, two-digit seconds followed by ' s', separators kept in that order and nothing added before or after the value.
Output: 9 h 48 min
